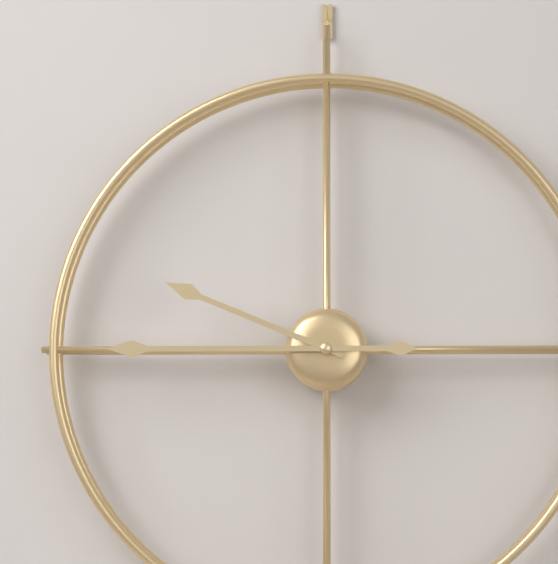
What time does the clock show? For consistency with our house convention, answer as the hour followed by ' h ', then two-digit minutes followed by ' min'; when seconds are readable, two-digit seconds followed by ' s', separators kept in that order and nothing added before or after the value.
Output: 9 h 45 min
